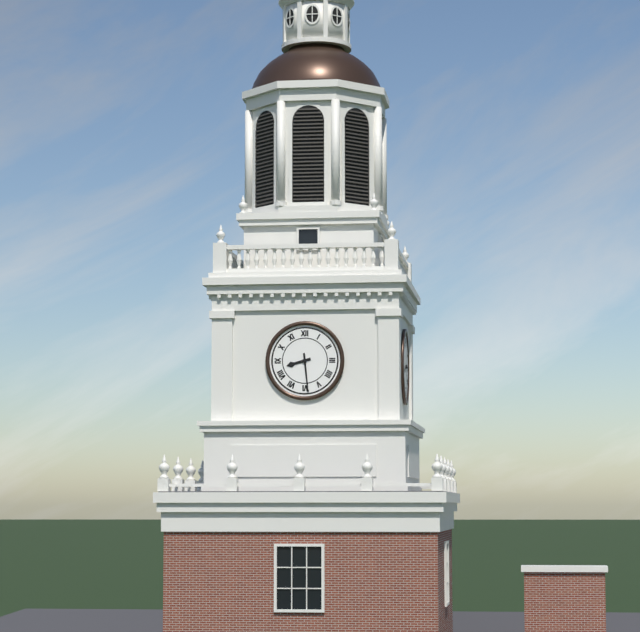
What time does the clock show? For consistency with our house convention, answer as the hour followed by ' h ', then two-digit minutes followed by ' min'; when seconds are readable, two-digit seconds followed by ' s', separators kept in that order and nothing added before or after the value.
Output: 8 h 29 min
